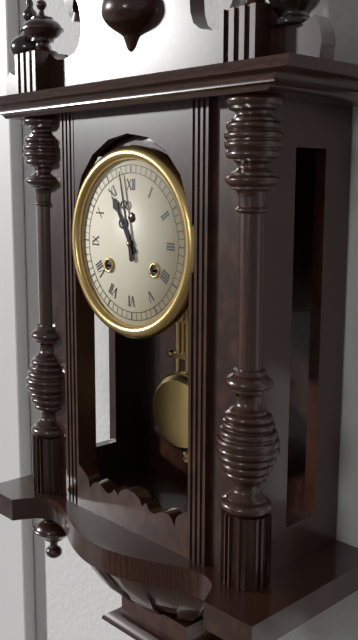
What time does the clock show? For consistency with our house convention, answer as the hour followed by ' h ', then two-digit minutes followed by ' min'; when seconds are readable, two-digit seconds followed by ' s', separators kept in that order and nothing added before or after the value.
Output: 10 h 58 min
